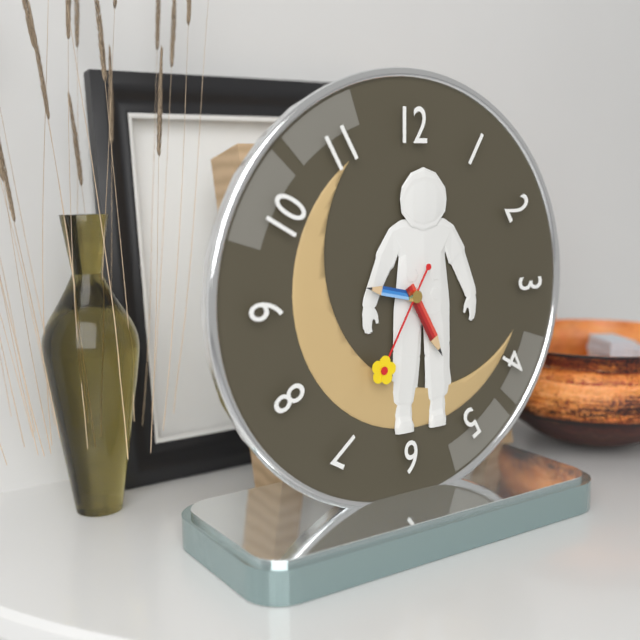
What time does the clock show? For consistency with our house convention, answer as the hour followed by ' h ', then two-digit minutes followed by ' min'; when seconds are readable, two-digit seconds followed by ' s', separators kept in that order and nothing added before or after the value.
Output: 9 h 25 min 35 s
